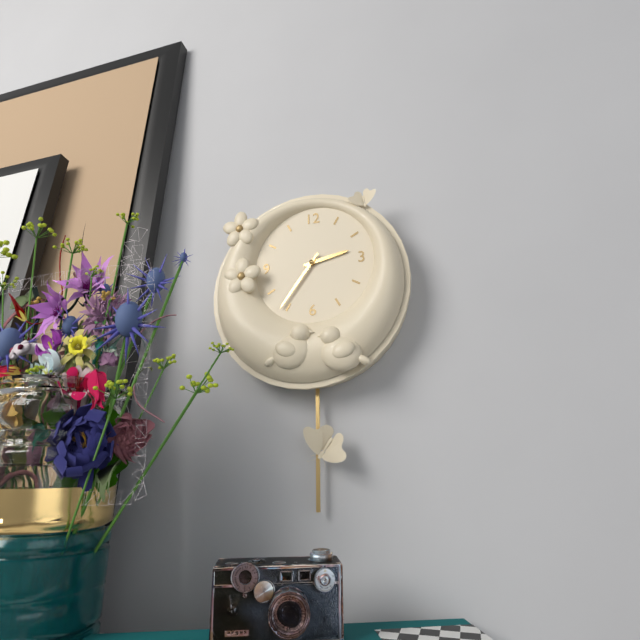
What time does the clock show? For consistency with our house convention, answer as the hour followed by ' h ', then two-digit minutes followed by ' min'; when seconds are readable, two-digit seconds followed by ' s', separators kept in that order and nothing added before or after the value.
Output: 2 h 36 min
